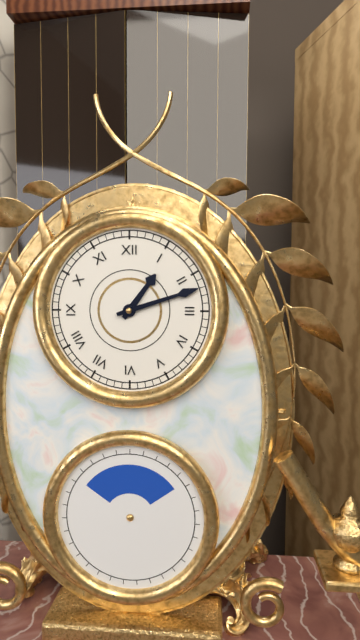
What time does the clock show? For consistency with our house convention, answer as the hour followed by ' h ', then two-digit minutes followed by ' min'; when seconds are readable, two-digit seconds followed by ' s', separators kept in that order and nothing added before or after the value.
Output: 1 h 12 min
